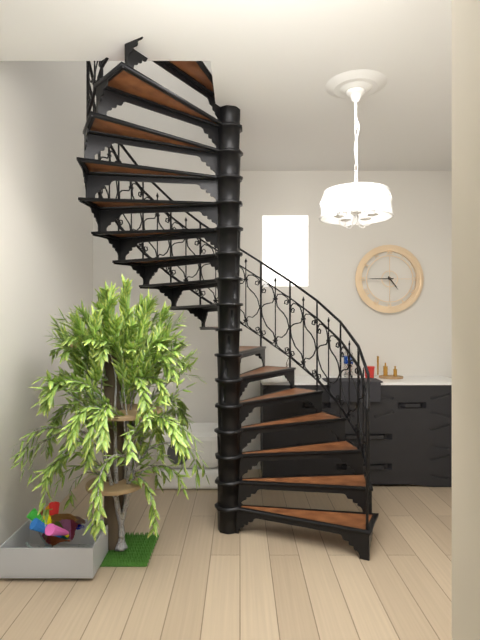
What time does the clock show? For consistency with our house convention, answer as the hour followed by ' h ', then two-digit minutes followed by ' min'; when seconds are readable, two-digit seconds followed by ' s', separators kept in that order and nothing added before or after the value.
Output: 4 h 45 min
